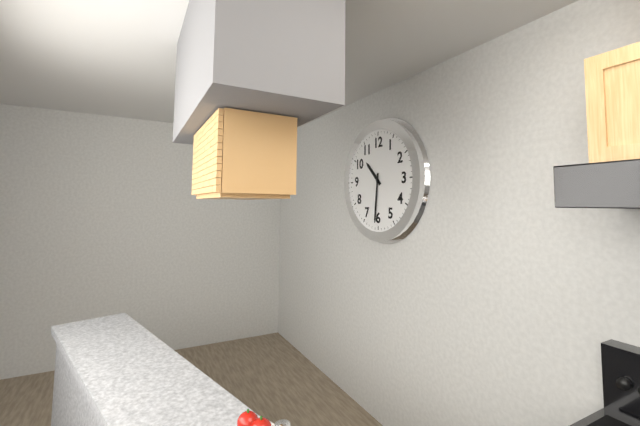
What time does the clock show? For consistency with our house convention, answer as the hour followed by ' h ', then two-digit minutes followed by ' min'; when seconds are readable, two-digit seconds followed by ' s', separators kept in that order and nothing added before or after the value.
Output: 10 h 31 min
